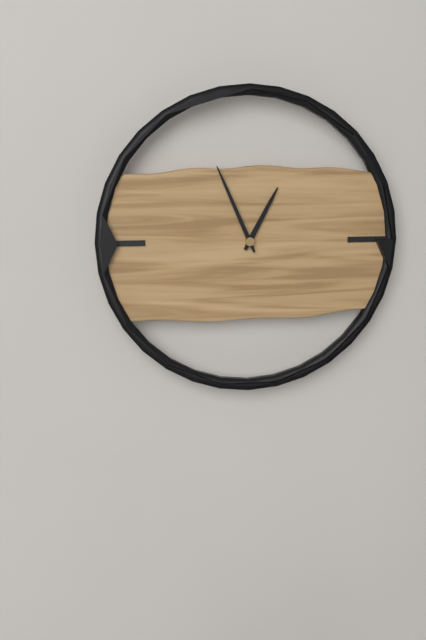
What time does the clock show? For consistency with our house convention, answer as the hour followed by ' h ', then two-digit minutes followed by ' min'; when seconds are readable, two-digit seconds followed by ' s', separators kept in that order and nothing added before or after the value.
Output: 12 h 56 min
